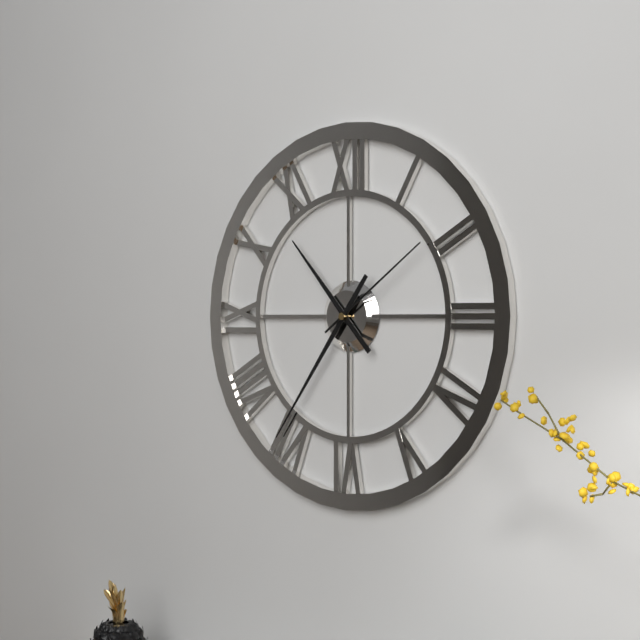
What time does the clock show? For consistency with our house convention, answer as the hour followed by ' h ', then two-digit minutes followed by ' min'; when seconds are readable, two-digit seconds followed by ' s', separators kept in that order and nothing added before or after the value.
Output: 10 h 36 min 09 s
